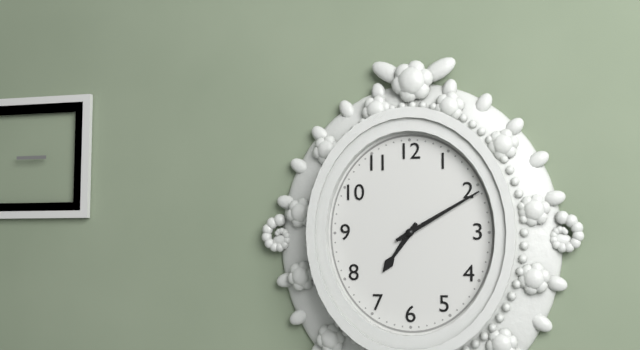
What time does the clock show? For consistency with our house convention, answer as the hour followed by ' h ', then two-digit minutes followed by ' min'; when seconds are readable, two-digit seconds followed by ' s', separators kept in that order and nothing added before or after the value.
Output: 7 h 10 min
